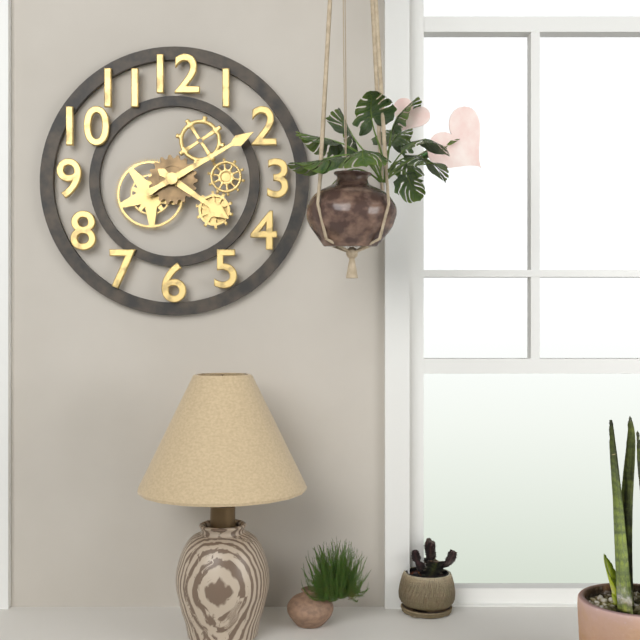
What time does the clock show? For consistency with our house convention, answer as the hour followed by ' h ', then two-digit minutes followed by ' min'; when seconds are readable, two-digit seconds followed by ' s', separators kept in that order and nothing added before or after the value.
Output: 4 h 10 min
